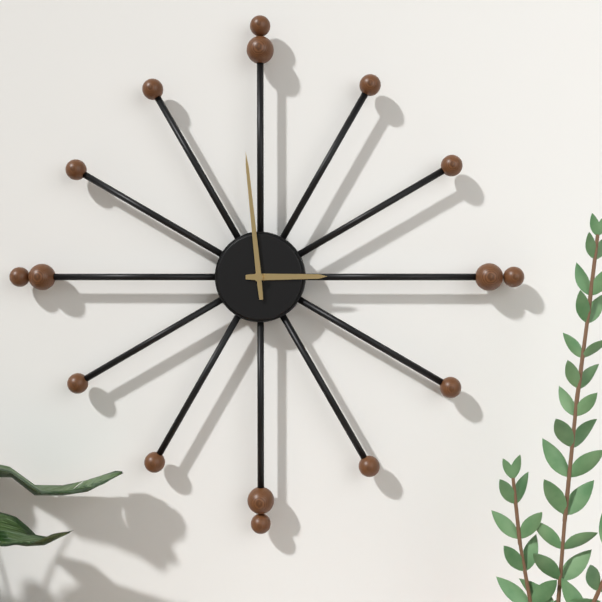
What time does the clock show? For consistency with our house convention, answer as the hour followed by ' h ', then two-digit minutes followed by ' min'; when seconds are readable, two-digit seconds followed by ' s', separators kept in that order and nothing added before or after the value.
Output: 2 h 59 min
